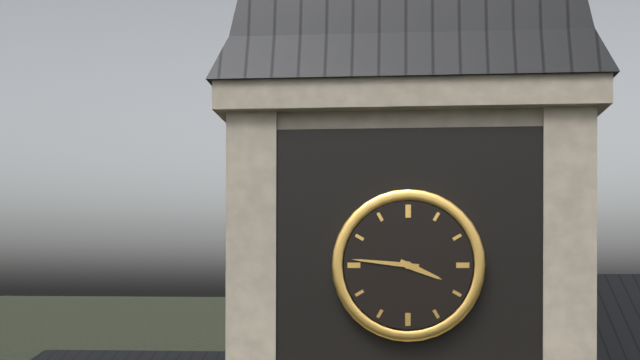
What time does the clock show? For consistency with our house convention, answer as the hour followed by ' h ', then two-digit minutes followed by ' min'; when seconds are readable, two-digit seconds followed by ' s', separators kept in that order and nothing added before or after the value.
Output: 3 h 46 min
